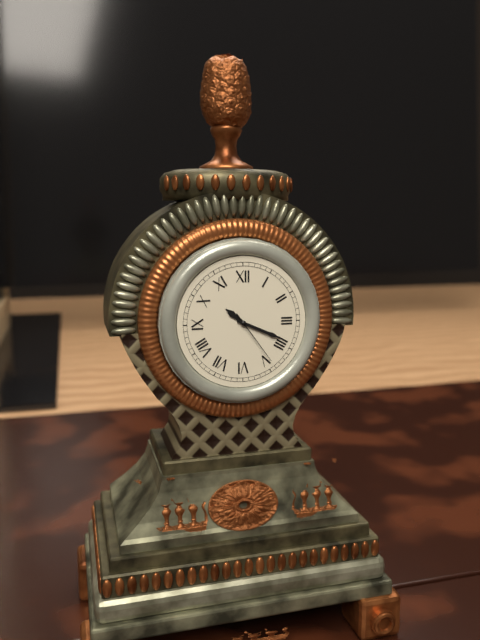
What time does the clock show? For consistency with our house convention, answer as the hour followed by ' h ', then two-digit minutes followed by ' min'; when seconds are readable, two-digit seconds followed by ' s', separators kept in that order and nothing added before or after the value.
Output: 10 h 19 min 24 s
